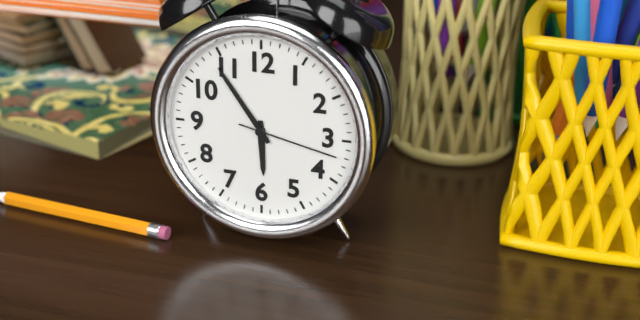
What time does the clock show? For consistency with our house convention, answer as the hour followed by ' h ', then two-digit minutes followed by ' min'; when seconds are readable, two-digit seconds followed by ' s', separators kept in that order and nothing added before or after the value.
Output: 5 h 54 min 17 s
